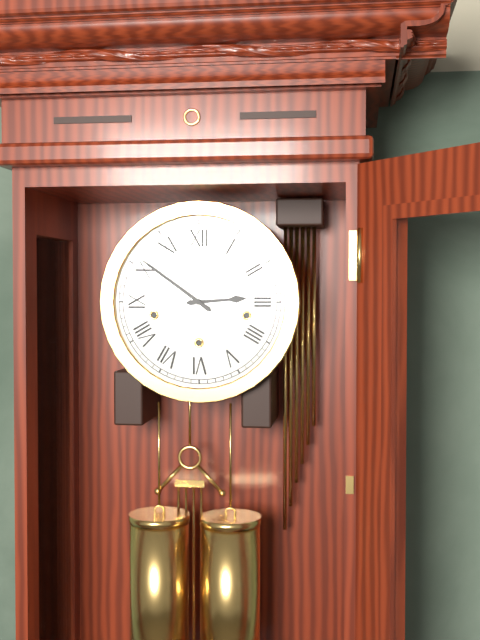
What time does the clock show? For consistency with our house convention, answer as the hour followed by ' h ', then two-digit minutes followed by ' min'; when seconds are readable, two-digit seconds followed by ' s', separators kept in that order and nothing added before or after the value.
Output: 2 h 51 min
